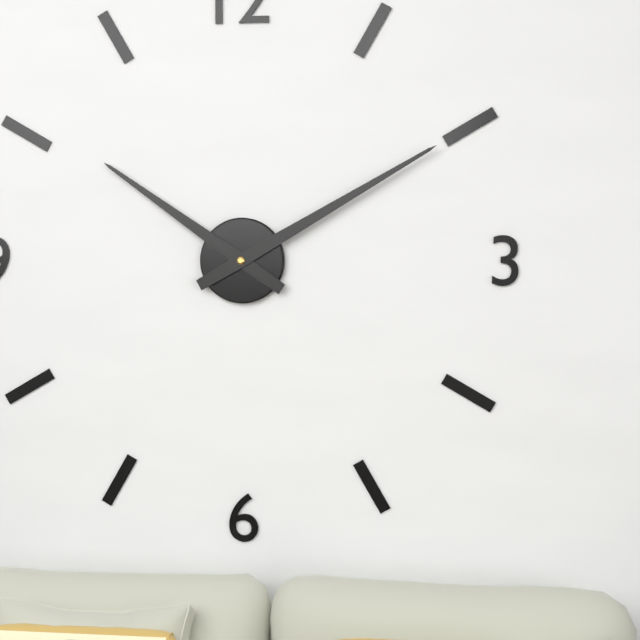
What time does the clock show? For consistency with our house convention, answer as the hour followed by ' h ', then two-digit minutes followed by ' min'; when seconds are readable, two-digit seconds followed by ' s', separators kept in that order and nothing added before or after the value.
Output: 10 h 10 min
